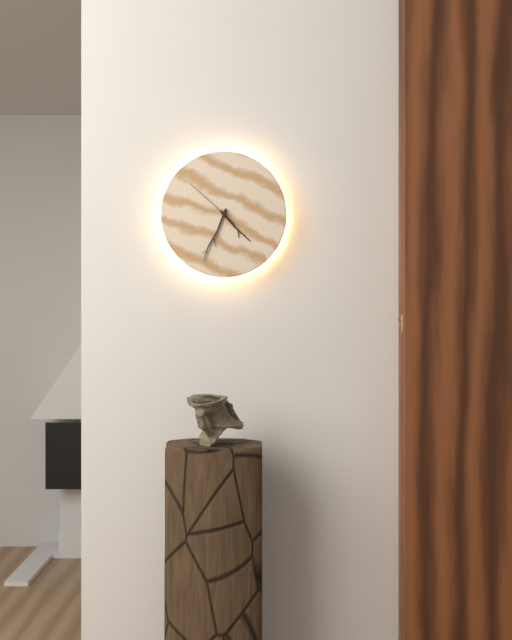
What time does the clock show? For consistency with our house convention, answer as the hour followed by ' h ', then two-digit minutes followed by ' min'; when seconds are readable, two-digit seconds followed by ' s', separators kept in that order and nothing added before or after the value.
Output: 4 h 34 min 52 s
